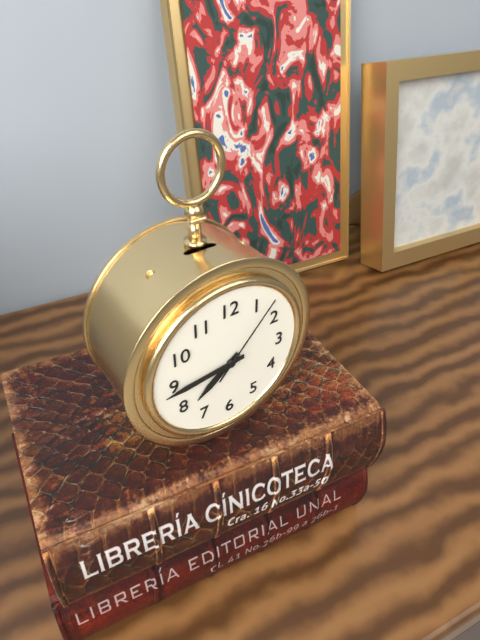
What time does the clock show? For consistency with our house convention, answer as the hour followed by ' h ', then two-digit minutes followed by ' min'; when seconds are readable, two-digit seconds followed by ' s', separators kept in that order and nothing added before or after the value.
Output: 7 h 44 min 07 s
